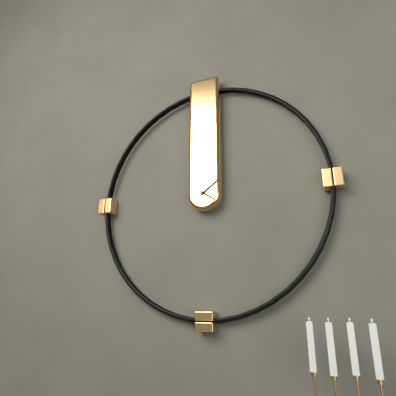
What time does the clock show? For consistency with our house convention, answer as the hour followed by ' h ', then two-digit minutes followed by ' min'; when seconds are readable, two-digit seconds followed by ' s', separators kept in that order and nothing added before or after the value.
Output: 4 h 09 min
